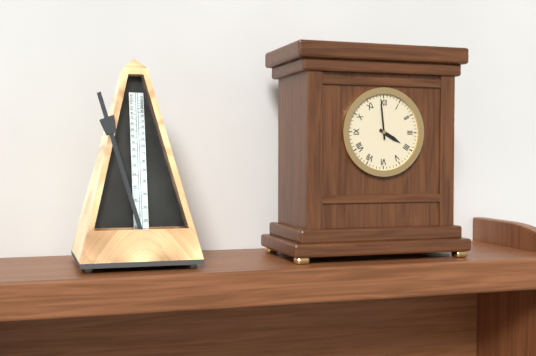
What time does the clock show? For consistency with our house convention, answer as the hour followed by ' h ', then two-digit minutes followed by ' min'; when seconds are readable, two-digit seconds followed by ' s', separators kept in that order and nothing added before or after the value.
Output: 3 h 59 min
